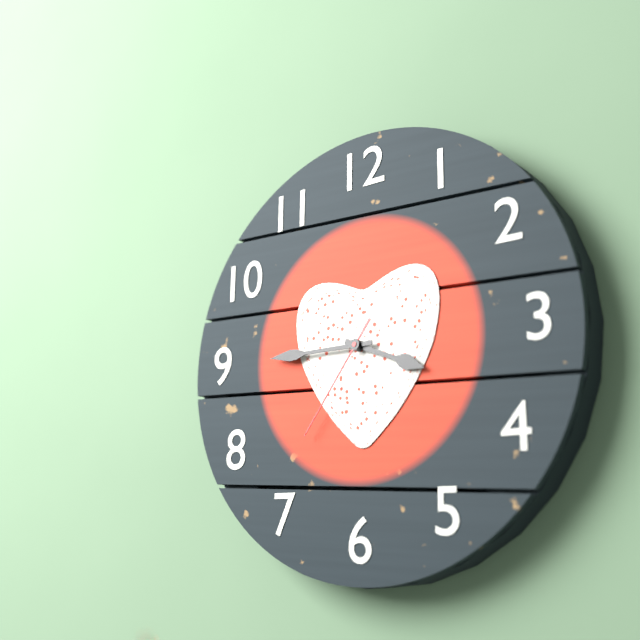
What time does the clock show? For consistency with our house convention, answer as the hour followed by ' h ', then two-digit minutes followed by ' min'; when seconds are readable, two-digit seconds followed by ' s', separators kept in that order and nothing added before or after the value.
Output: 3 h 45 min 36 s
